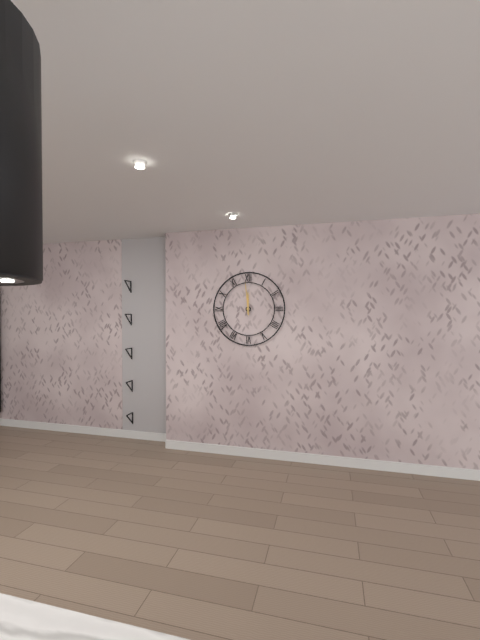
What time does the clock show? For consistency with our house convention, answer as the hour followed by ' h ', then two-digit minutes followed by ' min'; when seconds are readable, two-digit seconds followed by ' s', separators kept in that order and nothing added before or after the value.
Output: 11 h 59 min
